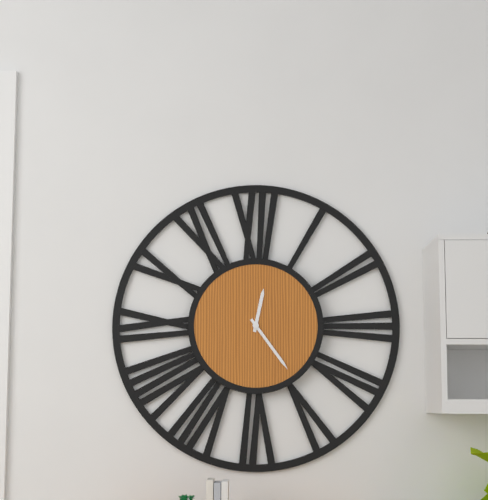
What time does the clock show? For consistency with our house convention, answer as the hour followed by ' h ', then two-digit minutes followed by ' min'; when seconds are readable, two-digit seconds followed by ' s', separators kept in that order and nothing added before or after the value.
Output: 12 h 24 min
